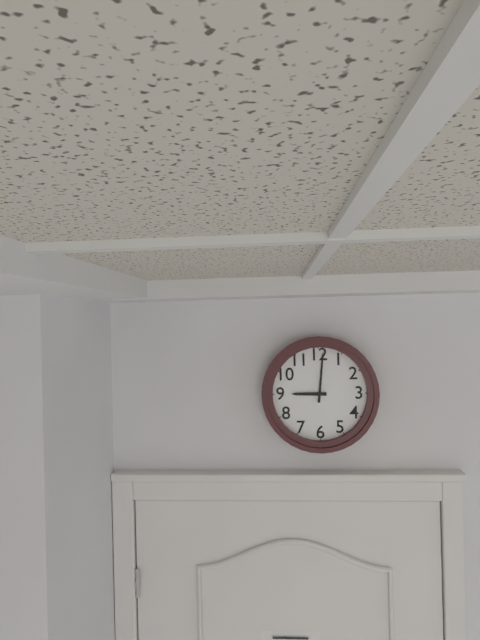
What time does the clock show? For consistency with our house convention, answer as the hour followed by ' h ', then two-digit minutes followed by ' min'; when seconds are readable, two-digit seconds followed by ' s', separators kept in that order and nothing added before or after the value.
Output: 9 h 01 min
